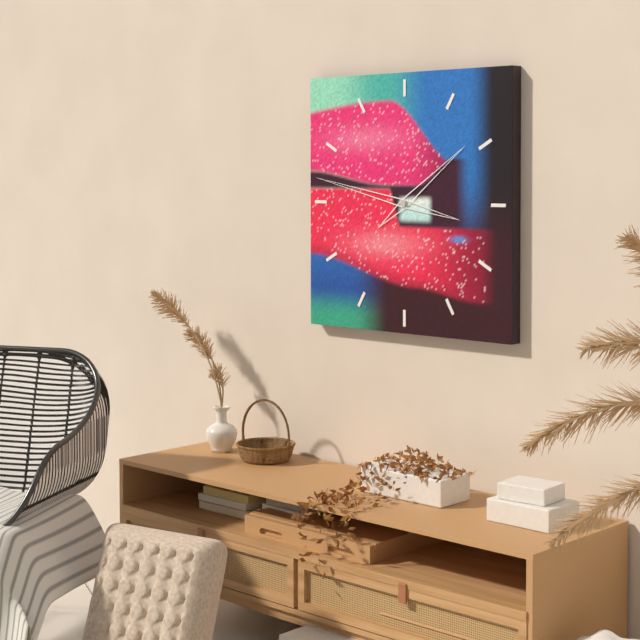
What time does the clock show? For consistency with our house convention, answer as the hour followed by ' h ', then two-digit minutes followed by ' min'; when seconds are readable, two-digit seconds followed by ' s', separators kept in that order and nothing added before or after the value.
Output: 1 h 47 min
